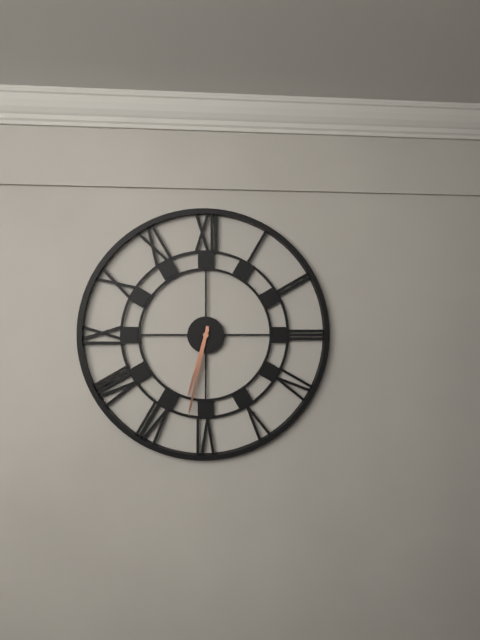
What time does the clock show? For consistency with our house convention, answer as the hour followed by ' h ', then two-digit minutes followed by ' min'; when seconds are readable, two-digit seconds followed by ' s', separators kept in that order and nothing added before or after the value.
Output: 6 h 32 min
